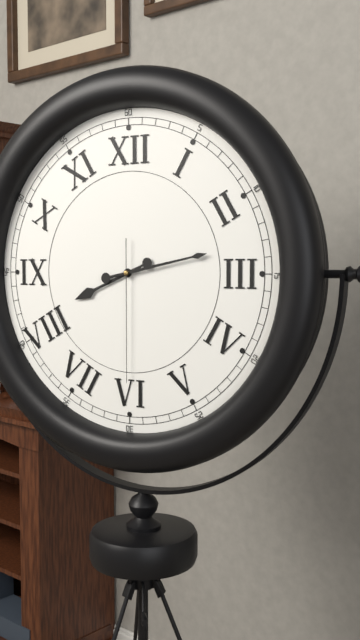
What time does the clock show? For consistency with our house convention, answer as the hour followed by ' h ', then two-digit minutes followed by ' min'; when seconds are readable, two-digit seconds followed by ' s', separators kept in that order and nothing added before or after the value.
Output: 8 h 13 min 30 s
